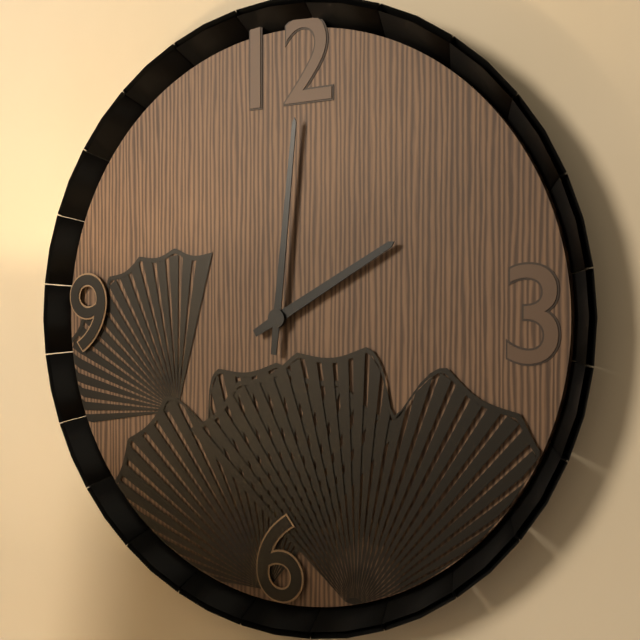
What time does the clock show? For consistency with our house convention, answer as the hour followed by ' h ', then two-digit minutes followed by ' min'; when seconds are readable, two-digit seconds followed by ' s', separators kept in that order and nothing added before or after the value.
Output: 2 h 01 min
